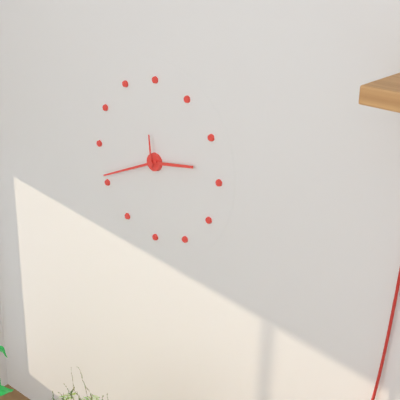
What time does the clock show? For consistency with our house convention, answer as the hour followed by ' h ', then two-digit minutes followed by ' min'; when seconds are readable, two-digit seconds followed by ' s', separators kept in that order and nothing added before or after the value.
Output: 2 h 41 min
